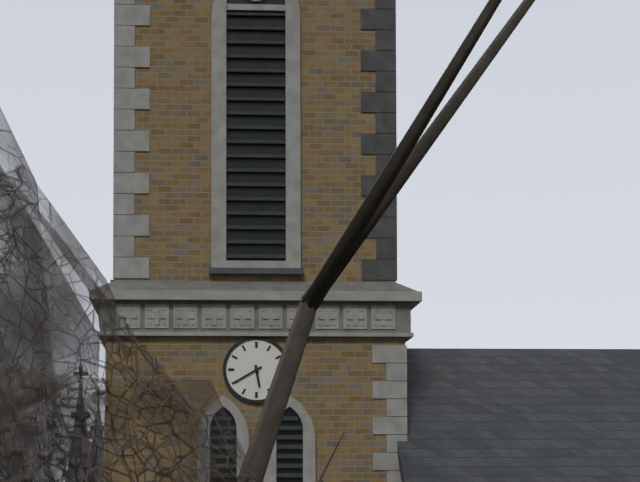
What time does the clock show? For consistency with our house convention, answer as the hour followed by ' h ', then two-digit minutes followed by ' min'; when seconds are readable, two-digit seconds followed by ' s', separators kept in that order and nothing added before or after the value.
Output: 5 h 40 min
